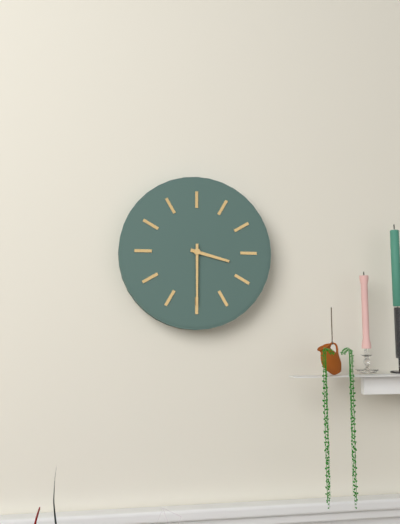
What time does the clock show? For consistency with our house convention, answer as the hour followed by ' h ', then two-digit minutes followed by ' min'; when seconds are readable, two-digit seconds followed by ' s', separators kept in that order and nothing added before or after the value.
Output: 3 h 30 min
